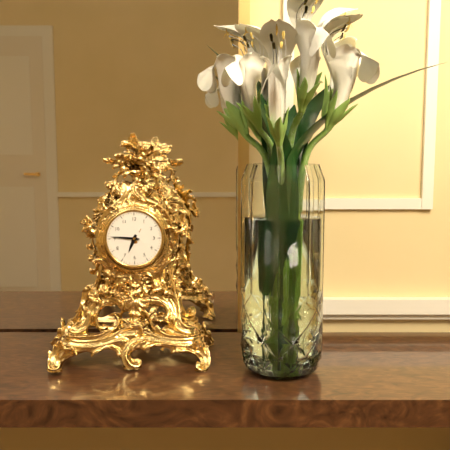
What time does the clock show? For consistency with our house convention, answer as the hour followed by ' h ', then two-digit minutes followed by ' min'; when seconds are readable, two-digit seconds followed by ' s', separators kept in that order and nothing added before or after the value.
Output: 6 h 46 min
